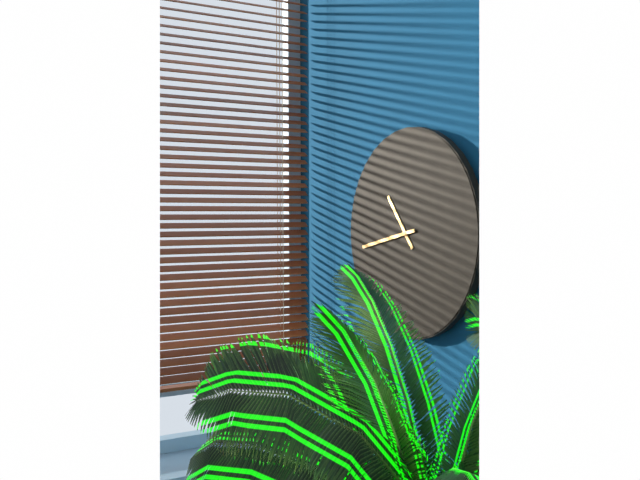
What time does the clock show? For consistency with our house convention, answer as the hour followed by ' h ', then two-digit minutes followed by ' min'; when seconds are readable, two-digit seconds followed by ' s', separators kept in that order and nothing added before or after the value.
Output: 10 h 43 min
